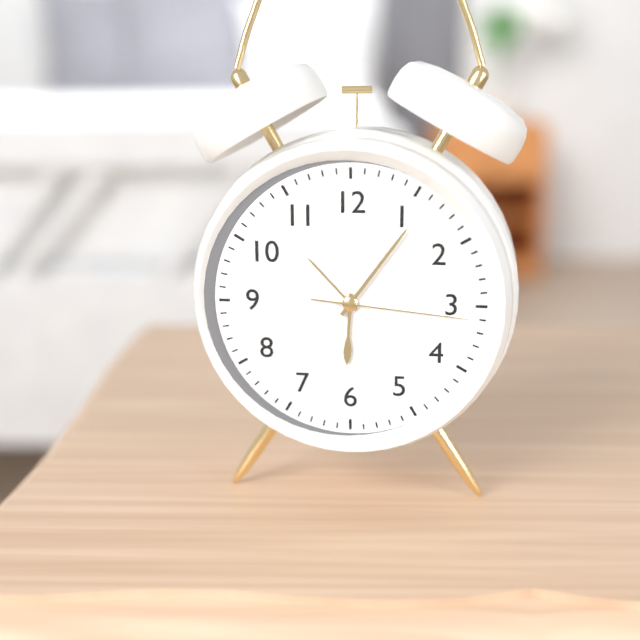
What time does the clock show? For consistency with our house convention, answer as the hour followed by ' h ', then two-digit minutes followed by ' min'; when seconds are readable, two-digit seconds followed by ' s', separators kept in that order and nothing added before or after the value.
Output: 6 h 06 min 16 s
